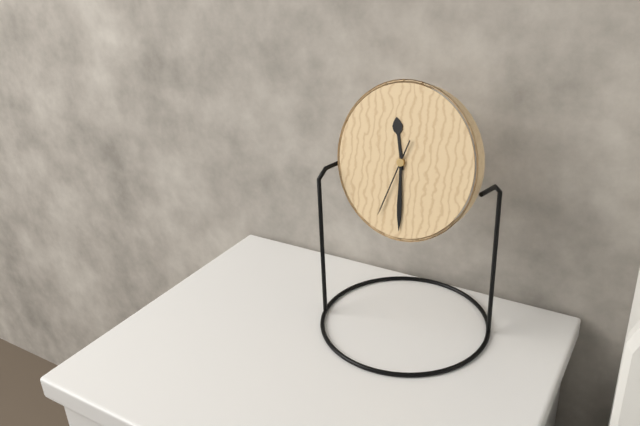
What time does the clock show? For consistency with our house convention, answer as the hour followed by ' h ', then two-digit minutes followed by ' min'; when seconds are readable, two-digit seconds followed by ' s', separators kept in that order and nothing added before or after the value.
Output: 11 h 29 min 33 s
